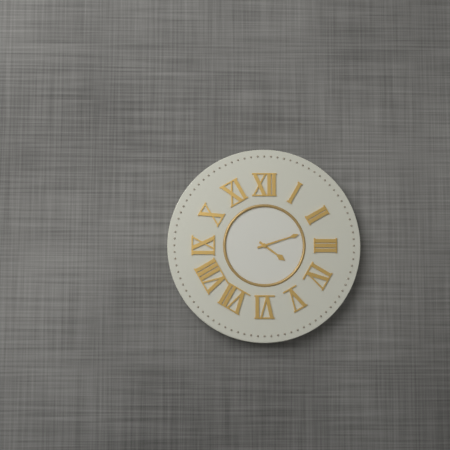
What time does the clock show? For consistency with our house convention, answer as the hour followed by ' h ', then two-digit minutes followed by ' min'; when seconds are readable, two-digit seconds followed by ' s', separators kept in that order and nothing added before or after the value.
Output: 4 h 12 min
